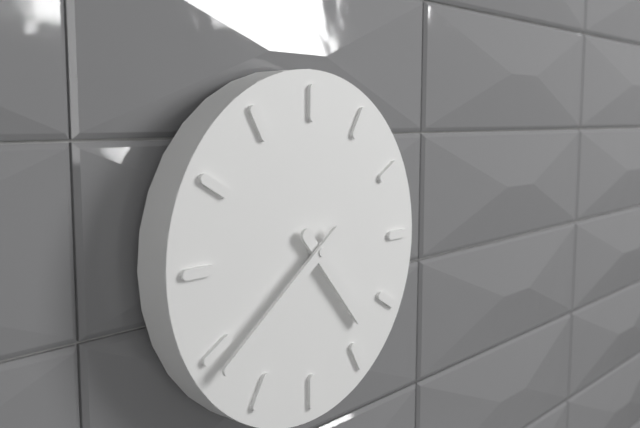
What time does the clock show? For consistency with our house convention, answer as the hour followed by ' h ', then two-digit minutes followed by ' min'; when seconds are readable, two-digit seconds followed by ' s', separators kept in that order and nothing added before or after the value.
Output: 4 h 39 min
